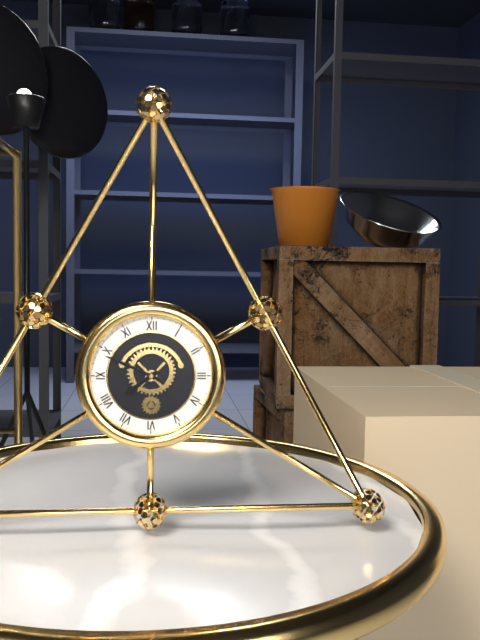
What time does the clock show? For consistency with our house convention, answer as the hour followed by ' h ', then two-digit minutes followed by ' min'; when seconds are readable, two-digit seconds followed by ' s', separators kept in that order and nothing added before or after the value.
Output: 7 h 49 min
